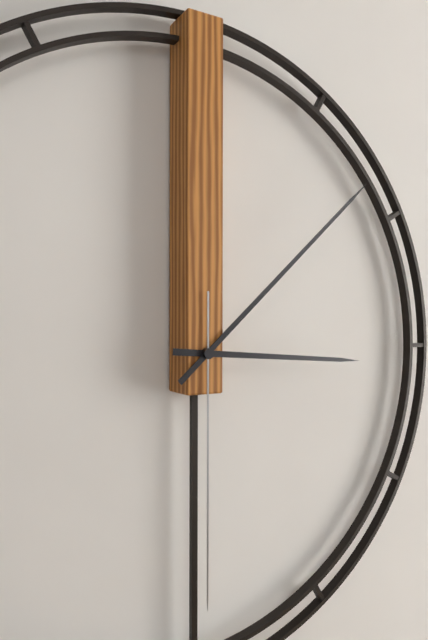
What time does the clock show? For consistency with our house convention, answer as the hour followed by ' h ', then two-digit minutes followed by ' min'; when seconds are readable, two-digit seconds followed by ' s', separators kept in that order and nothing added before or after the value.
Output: 3 h 08 min 30 s
